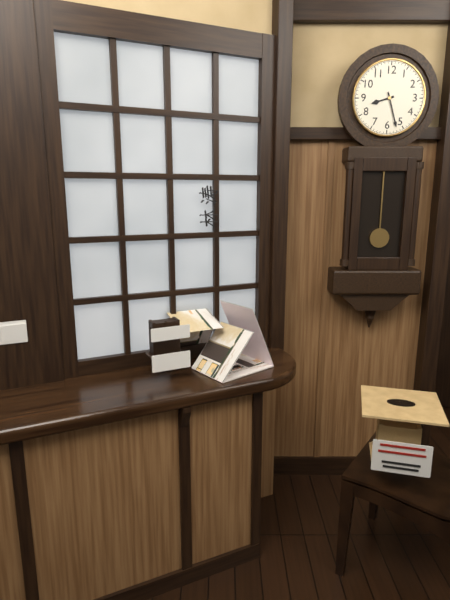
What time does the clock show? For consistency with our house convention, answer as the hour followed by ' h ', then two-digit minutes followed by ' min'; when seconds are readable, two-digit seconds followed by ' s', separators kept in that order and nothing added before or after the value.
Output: 8 h 27 min
